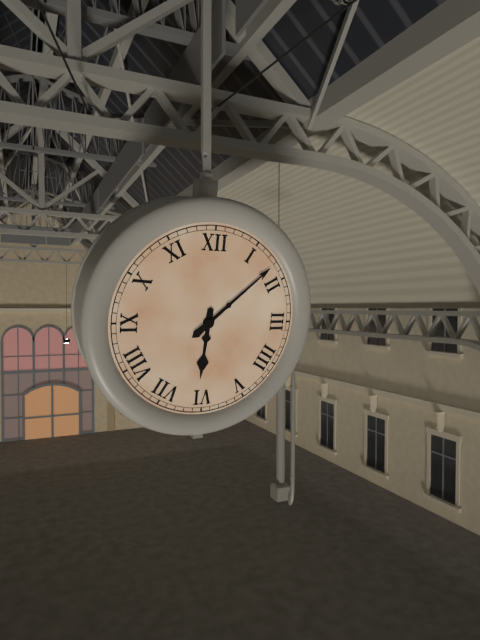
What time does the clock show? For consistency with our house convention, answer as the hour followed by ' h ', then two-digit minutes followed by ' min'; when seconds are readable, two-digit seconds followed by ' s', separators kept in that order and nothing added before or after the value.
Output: 6 h 08 min
